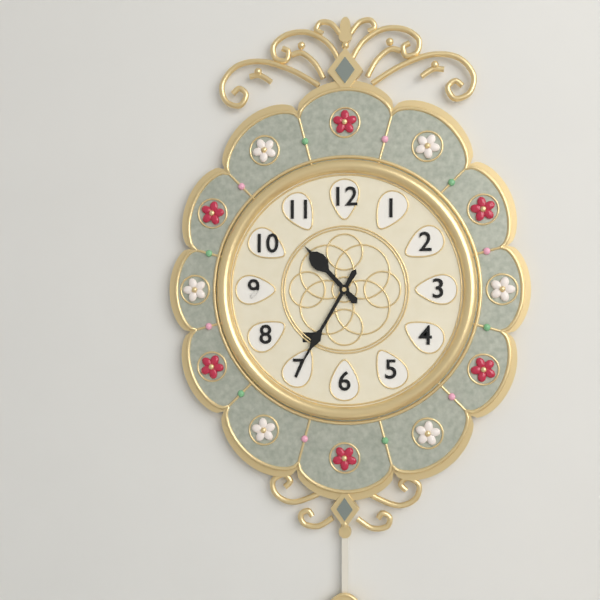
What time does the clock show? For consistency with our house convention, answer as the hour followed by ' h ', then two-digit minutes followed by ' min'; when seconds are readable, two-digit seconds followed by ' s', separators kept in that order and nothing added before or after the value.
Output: 10 h 35 min
